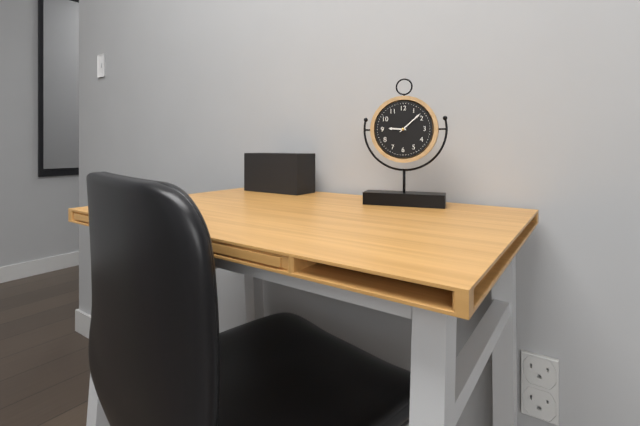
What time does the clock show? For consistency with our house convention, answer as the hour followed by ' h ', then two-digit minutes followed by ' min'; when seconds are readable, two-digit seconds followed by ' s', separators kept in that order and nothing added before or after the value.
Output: 9 h 08 min
